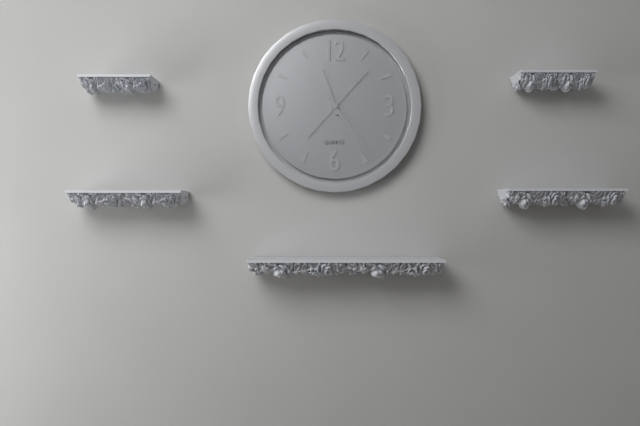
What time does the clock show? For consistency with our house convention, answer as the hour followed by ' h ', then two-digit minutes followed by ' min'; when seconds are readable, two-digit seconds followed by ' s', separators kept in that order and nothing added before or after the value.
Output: 11 h 24 min 07 s
